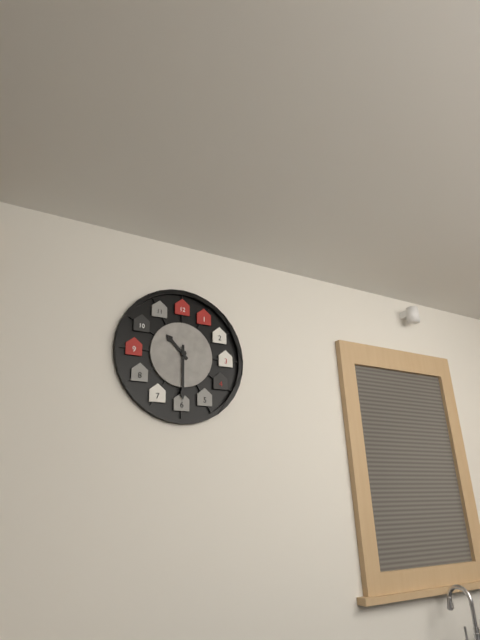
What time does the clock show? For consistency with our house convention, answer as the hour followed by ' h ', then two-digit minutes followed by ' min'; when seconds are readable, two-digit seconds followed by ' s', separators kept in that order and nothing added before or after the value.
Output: 10 h 30 min
